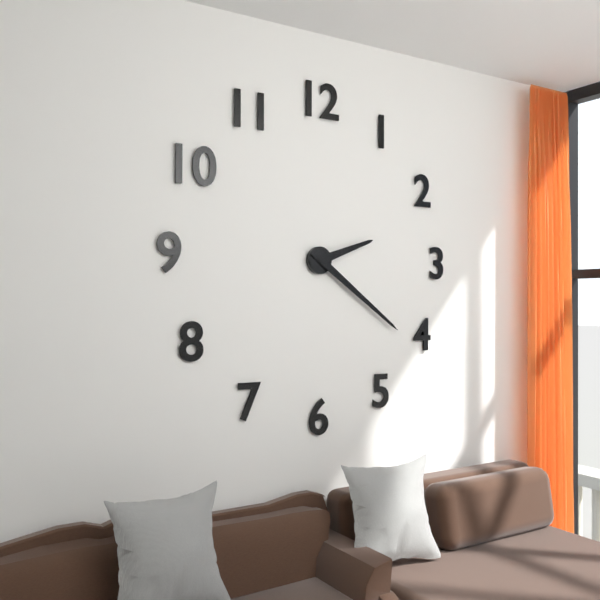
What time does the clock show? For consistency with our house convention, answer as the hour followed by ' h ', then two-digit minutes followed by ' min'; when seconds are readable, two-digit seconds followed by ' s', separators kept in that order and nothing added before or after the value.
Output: 2 h 21 min
